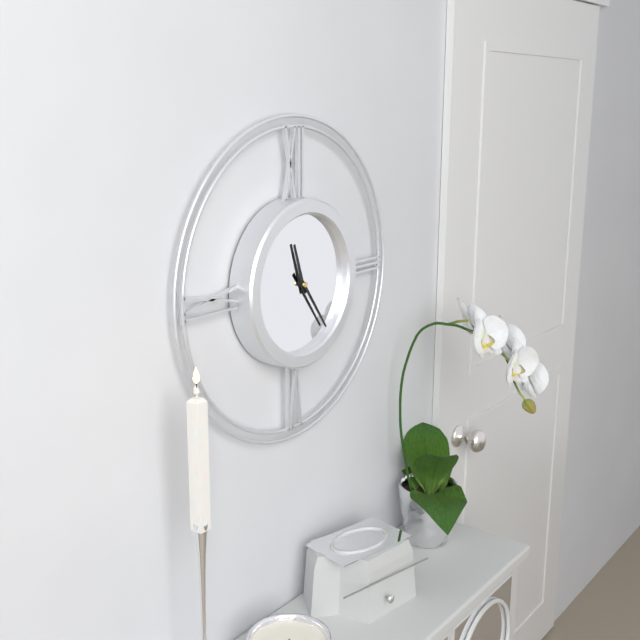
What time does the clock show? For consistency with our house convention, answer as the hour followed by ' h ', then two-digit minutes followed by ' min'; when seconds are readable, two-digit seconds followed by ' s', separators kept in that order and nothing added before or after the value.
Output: 11 h 24 min
